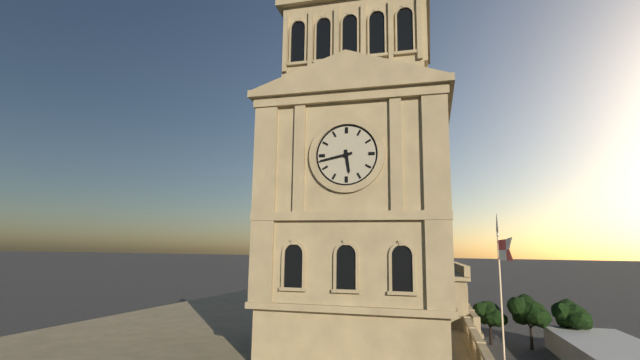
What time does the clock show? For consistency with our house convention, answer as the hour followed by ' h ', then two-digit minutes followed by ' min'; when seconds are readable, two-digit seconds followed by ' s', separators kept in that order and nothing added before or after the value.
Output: 5 h 43 min
